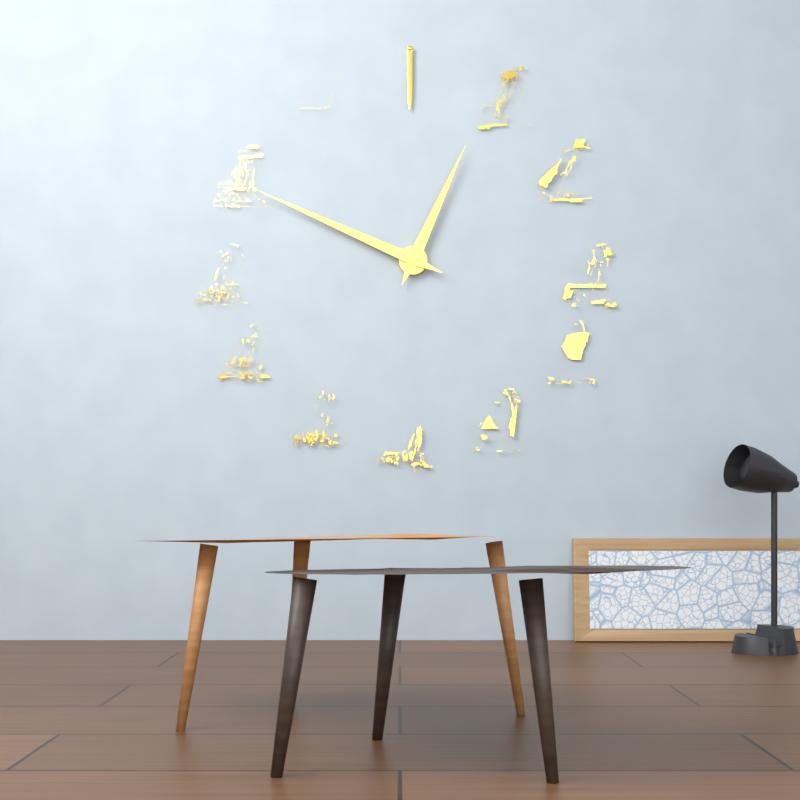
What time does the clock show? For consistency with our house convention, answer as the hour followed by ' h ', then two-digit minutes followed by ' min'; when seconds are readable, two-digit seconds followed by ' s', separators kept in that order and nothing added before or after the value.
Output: 12 h 49 min
